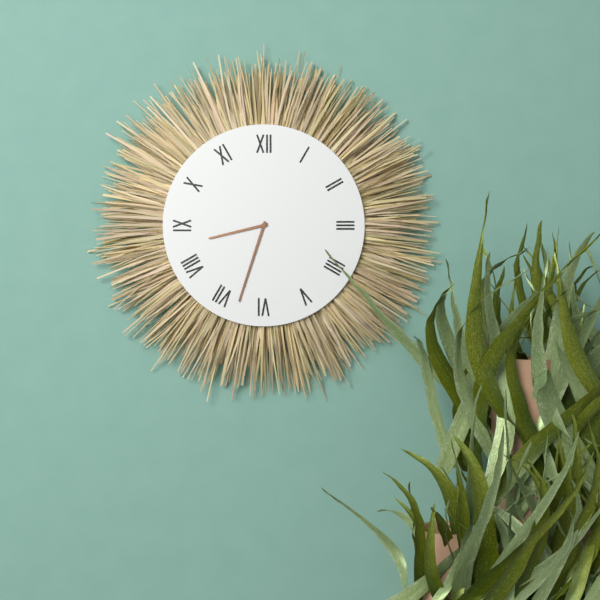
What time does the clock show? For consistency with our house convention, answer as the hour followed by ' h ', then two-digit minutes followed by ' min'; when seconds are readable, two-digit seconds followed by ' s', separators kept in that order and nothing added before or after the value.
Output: 8 h 33 min
